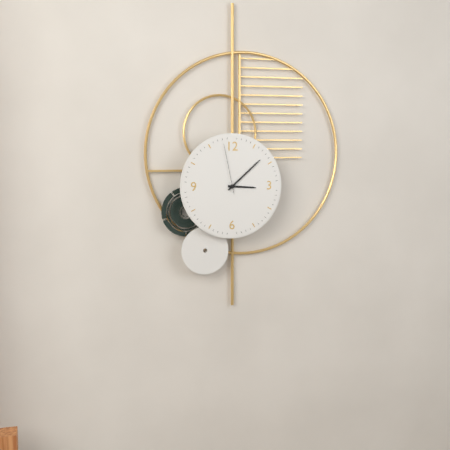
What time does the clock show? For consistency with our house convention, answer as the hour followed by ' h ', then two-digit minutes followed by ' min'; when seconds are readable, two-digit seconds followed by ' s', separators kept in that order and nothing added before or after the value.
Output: 3 h 08 min 58 s
